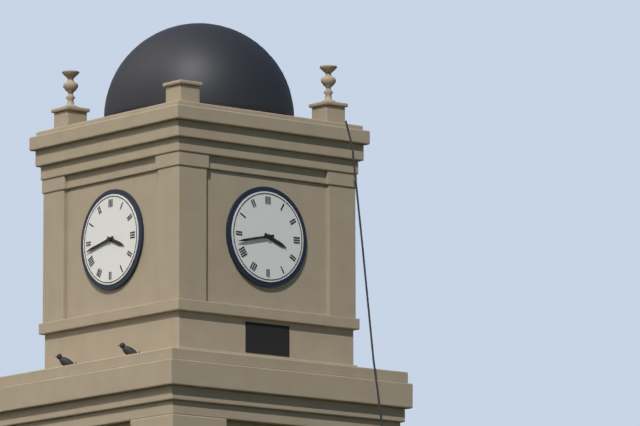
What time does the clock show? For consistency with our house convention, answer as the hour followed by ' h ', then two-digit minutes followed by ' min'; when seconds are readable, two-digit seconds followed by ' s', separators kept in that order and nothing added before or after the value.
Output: 3 h 43 min
